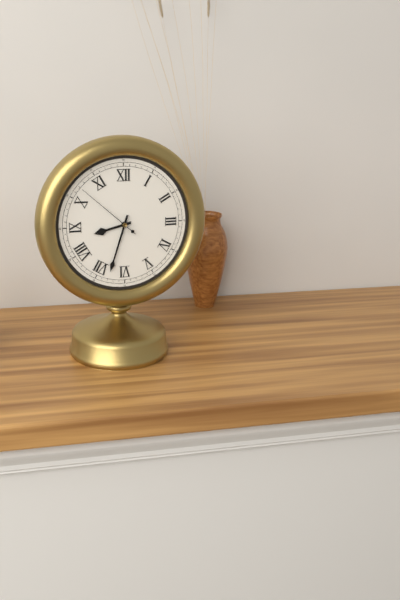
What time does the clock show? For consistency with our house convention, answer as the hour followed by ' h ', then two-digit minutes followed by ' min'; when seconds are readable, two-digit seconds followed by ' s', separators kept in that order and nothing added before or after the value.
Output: 8 h 33 min 52 s
